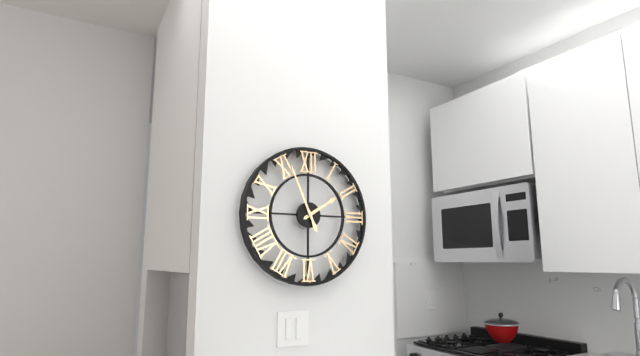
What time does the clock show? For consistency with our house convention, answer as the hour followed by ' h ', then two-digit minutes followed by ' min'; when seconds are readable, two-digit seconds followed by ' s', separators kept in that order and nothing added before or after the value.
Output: 1 h 56 min
